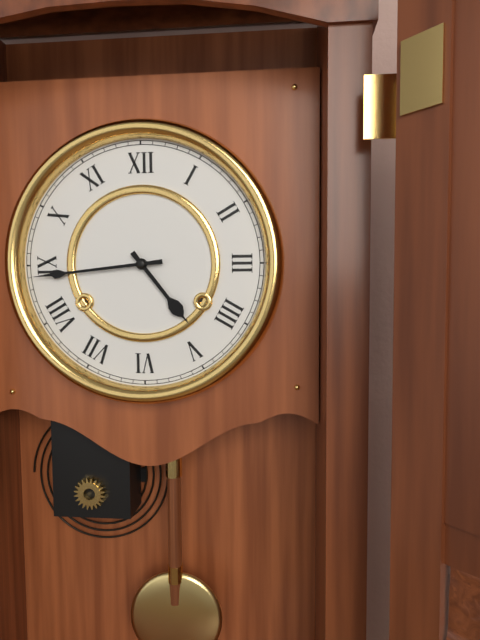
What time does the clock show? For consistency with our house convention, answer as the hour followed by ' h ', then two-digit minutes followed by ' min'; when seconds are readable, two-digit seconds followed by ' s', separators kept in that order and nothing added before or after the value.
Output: 4 h 44 min
